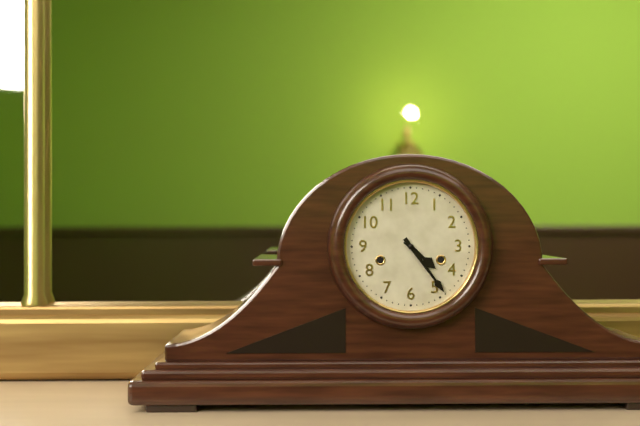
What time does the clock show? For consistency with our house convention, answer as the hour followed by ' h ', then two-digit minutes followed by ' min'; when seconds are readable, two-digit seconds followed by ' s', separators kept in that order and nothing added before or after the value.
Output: 4 h 24 min
